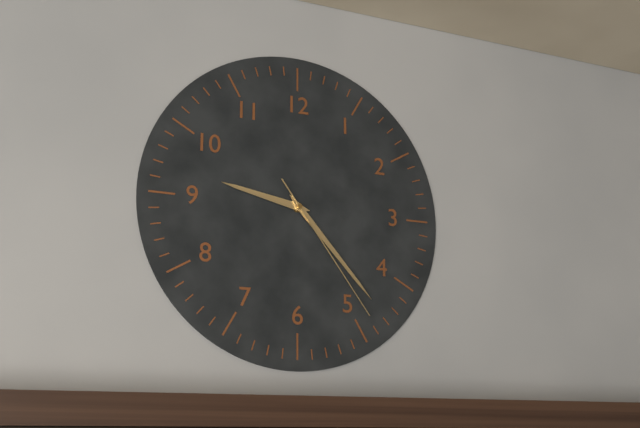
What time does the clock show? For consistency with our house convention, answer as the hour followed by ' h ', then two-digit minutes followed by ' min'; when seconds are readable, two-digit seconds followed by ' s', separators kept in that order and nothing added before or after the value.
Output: 9 h 23 min 24 s
